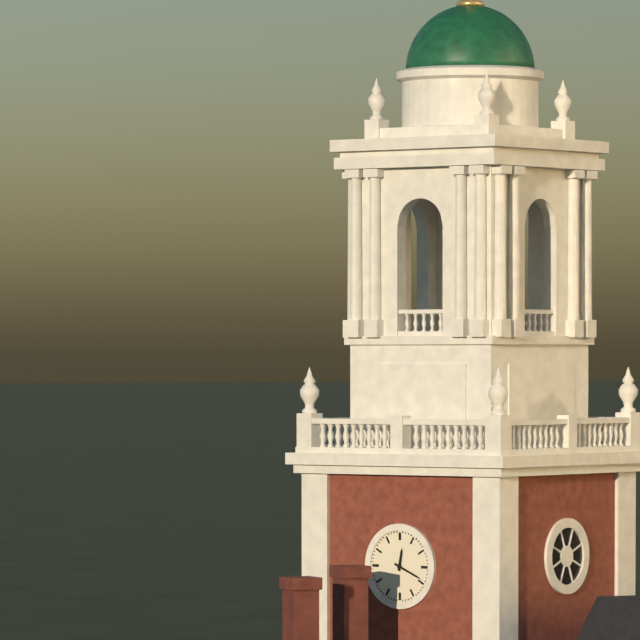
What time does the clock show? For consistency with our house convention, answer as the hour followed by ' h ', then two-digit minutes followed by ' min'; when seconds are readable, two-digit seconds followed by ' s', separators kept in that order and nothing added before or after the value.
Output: 12 h 19 min
